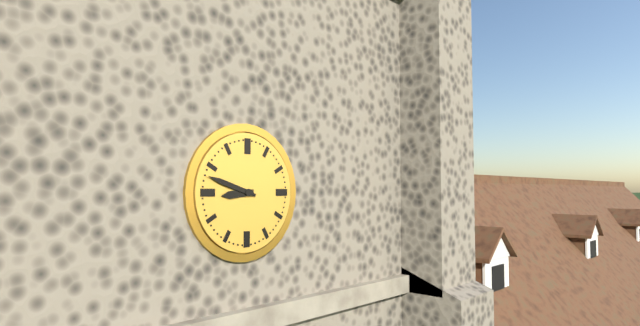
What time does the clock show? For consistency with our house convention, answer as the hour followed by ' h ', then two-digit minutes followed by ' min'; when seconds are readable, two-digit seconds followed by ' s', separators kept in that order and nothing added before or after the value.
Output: 8 h 48 min
